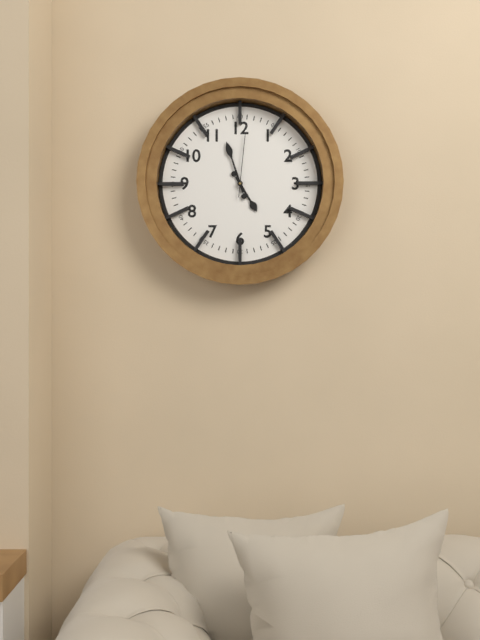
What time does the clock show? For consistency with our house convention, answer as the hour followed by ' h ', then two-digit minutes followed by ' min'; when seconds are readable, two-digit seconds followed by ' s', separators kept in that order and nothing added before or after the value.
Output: 4 h 57 min 01 s
